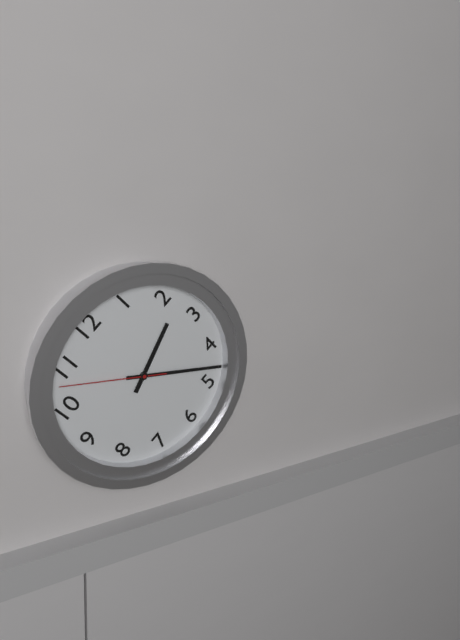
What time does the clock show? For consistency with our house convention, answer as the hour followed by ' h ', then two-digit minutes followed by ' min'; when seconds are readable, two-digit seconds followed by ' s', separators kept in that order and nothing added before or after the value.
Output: 2 h 23 min 53 s
